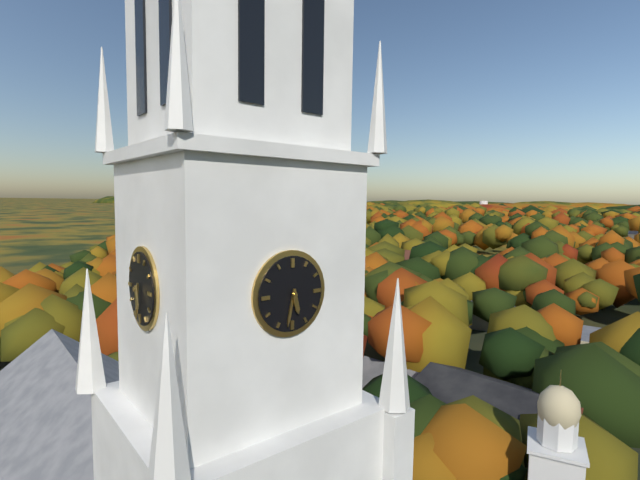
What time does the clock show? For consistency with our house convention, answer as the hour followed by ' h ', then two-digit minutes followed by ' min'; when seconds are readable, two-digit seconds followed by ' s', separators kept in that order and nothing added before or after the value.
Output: 5 h 32 min
